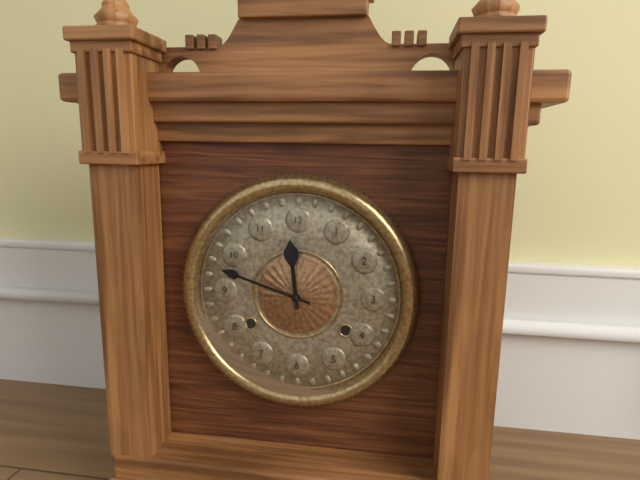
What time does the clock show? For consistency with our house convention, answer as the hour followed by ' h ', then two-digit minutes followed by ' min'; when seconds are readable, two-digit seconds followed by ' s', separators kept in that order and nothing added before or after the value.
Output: 11 h 48 min
